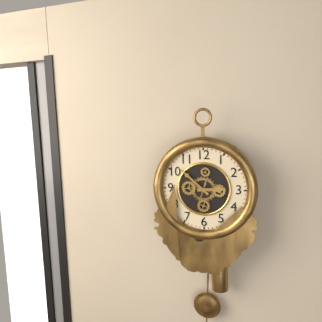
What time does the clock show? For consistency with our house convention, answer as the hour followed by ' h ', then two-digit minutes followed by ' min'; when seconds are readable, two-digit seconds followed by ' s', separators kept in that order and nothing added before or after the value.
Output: 2 h 52 min
